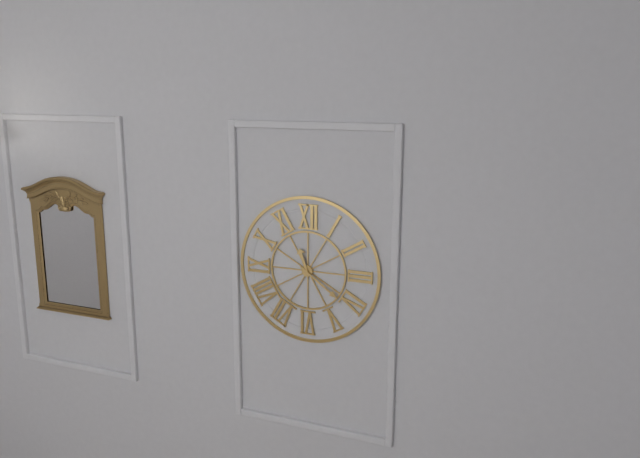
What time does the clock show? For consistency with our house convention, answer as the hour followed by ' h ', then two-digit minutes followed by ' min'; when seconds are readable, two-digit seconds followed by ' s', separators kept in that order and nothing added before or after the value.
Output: 11 h 21 min
